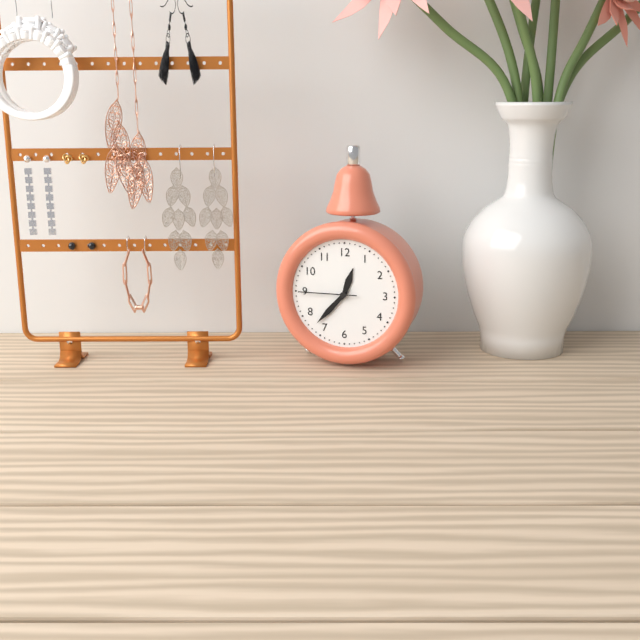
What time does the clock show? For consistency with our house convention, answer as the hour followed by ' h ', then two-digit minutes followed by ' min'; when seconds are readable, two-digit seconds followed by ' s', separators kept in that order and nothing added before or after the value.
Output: 12 h 37 min 45 s
